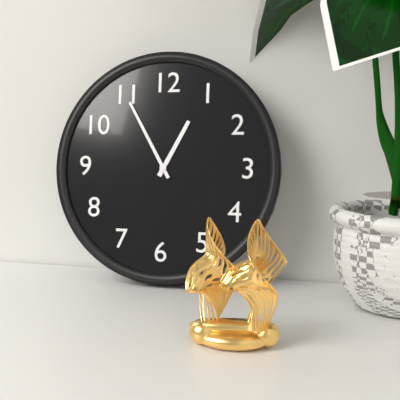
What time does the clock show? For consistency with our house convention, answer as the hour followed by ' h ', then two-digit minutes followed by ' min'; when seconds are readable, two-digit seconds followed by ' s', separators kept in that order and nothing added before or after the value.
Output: 12 h 55 min
